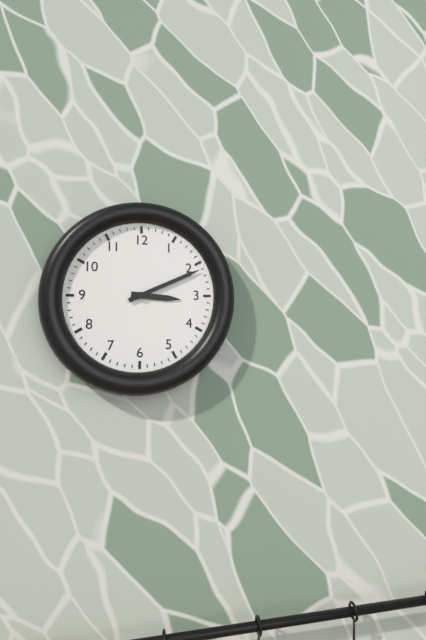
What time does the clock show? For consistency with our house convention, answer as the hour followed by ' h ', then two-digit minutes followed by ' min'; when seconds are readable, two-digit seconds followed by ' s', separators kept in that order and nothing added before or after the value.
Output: 3 h 11 min
